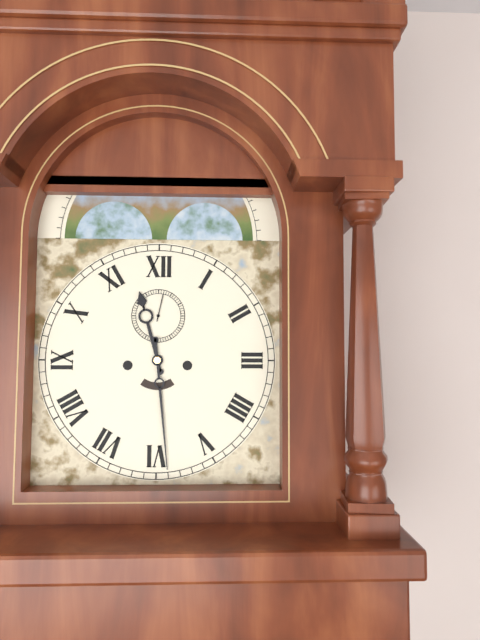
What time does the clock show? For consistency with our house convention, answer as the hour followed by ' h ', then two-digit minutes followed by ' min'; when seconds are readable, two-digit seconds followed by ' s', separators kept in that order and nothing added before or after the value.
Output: 11 h 29 min
